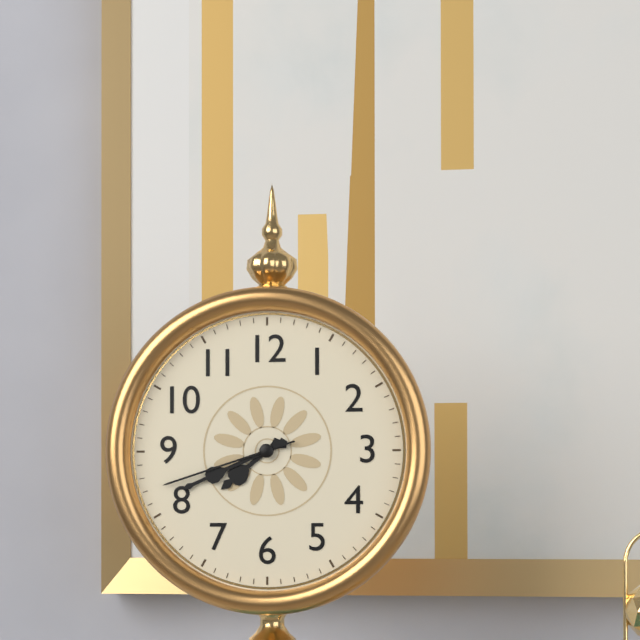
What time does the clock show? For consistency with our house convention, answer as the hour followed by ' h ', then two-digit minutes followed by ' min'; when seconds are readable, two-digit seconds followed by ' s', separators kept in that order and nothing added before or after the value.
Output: 7 h 41 min 42 s
